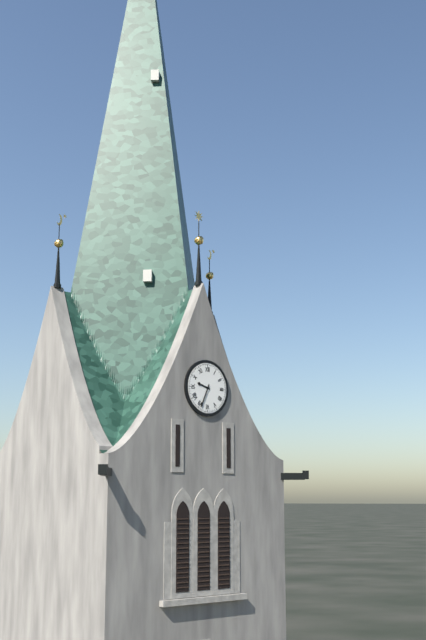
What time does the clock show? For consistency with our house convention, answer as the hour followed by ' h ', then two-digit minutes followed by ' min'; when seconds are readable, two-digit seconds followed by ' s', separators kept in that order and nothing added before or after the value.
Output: 9 h 34 min
